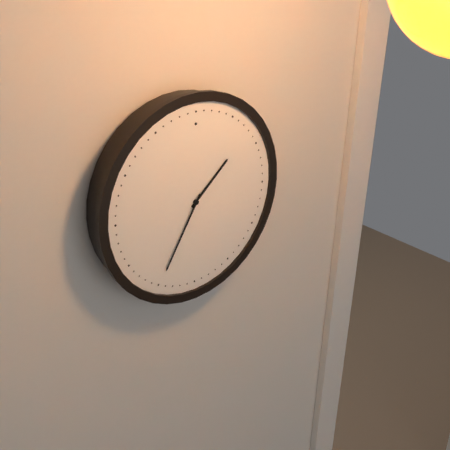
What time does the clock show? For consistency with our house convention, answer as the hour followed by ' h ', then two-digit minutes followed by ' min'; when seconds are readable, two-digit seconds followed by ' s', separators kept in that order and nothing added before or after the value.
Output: 1 h 35 min
